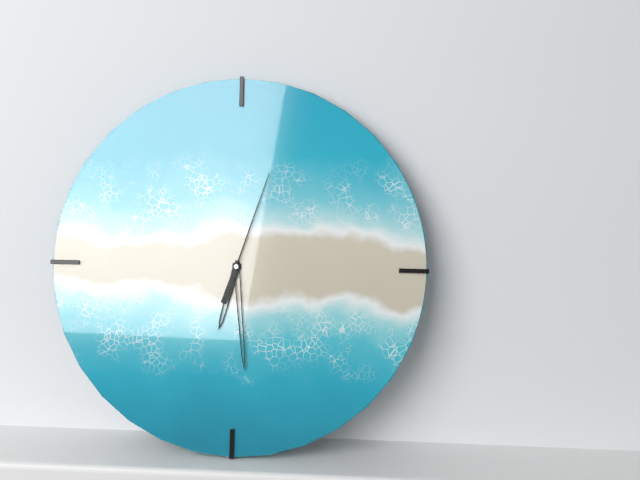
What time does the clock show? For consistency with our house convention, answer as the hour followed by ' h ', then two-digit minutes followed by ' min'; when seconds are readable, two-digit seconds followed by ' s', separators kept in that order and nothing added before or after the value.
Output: 6 h 29 min 03 s
